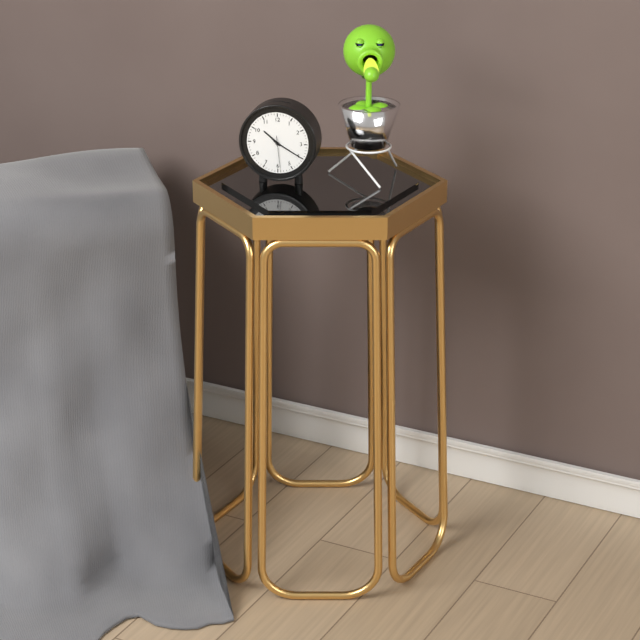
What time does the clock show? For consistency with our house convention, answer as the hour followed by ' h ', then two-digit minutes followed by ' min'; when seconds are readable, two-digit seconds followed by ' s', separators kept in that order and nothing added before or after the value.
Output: 10 h 20 min
